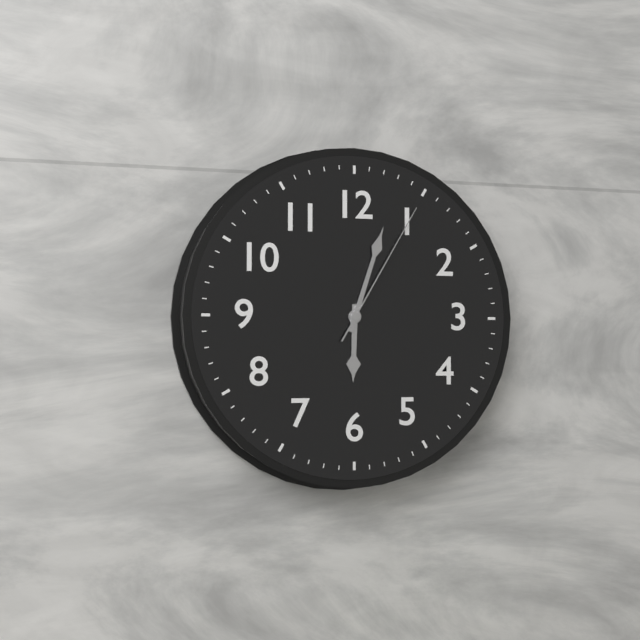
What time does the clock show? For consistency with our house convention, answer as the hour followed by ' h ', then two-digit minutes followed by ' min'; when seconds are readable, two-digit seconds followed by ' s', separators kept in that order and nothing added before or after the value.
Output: 6 h 03 min 05 s
